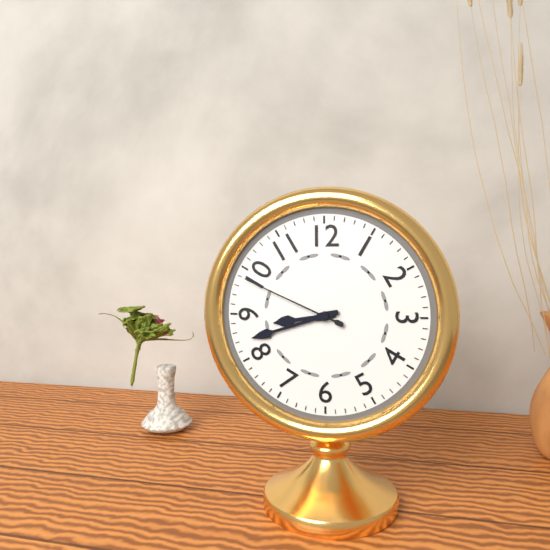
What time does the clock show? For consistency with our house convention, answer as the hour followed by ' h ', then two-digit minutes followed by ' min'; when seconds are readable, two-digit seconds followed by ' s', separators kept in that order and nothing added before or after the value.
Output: 8 h 42 min 49 s
